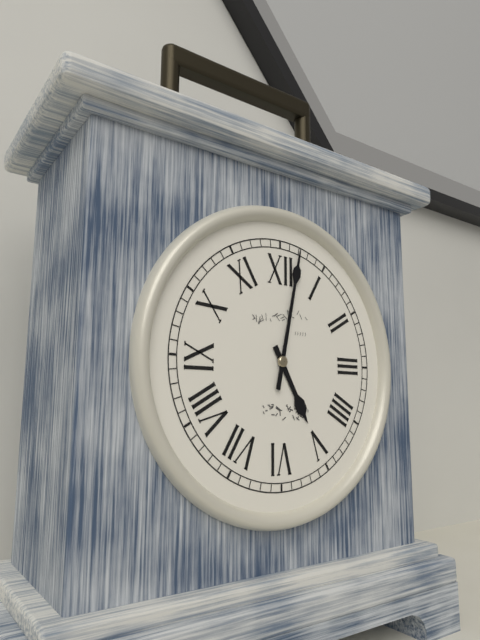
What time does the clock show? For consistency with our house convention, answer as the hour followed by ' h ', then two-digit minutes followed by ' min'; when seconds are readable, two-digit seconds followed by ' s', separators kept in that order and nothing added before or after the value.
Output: 5 h 02 min
